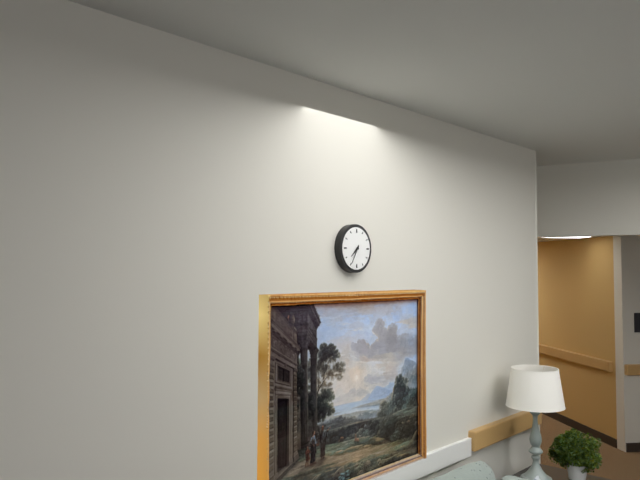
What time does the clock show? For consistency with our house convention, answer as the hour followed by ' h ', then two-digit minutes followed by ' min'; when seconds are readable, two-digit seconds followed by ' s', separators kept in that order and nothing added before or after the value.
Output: 7 h 35 min
